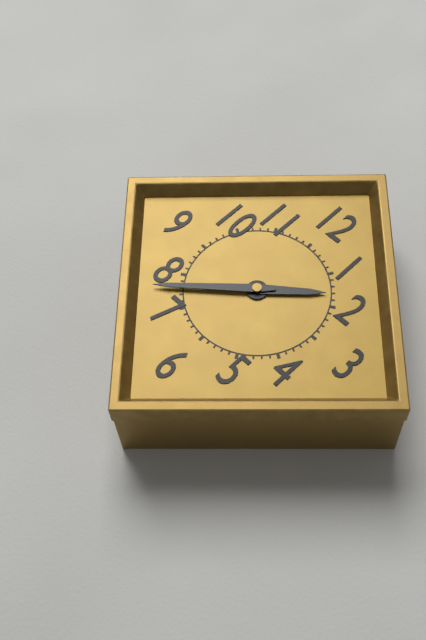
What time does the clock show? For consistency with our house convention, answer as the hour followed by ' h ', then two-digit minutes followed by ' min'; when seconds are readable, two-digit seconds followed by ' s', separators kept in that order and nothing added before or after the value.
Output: 1 h 38 min
